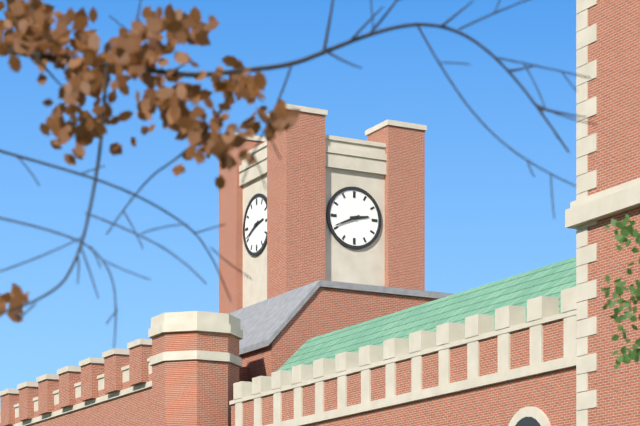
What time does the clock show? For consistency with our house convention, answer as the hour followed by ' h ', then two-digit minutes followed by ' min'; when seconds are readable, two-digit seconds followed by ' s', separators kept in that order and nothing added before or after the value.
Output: 2 h 41 min
